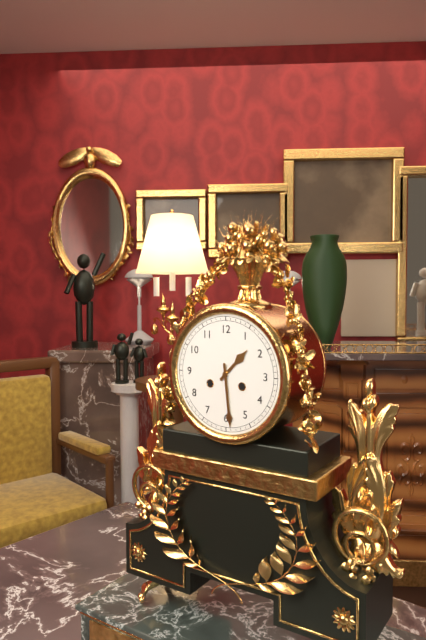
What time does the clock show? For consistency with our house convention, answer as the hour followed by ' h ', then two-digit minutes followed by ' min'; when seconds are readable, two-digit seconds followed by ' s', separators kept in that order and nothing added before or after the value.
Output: 1 h 29 min
